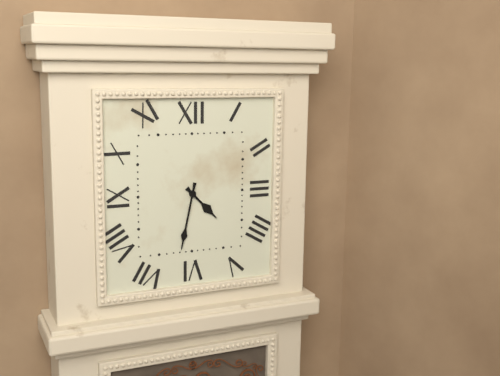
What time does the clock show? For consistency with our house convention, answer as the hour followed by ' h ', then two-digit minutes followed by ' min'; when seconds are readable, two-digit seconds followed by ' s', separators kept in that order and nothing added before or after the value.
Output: 4 h 32 min
